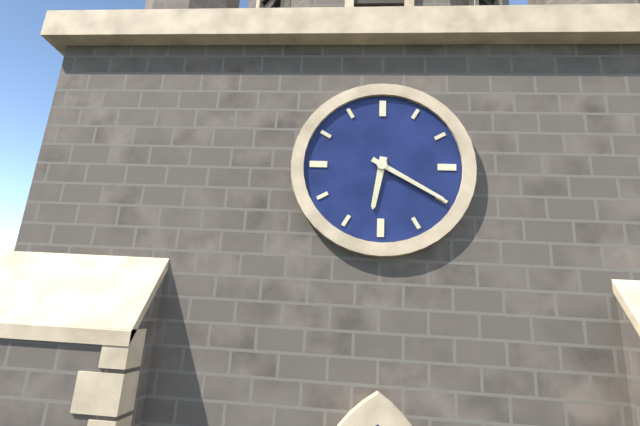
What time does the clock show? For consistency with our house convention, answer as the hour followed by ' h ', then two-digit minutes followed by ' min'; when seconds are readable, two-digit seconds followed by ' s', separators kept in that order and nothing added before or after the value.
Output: 6 h 20 min
